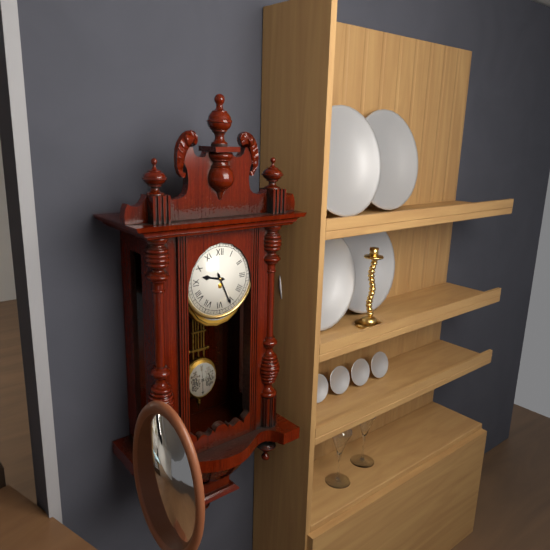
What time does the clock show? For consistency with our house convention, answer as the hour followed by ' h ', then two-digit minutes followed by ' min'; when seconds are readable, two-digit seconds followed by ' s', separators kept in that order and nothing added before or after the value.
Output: 9 h 26 min
